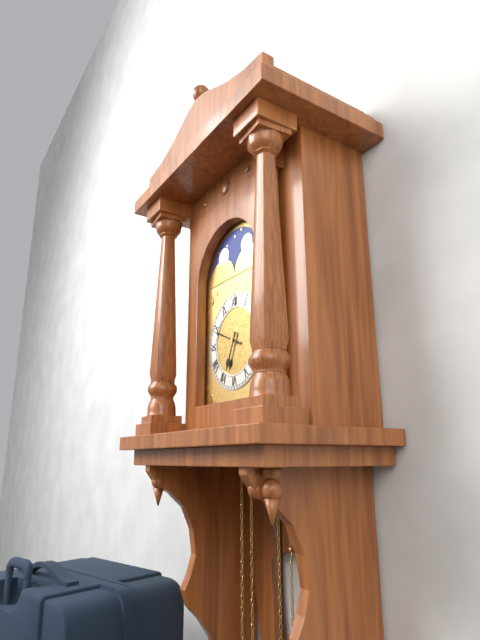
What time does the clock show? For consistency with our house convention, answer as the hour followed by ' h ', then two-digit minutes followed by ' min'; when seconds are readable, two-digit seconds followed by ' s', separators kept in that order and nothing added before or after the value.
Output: 6 h 49 min
